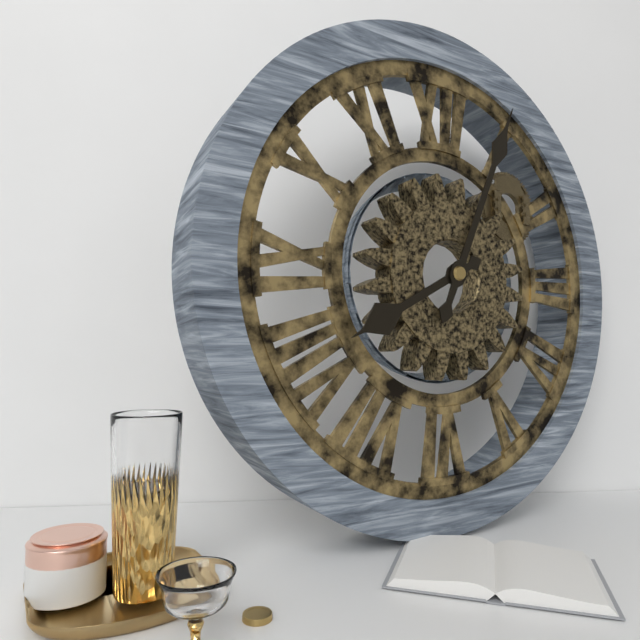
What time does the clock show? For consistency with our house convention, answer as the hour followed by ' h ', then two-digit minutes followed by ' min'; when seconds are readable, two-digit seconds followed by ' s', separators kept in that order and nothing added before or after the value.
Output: 8 h 04 min
